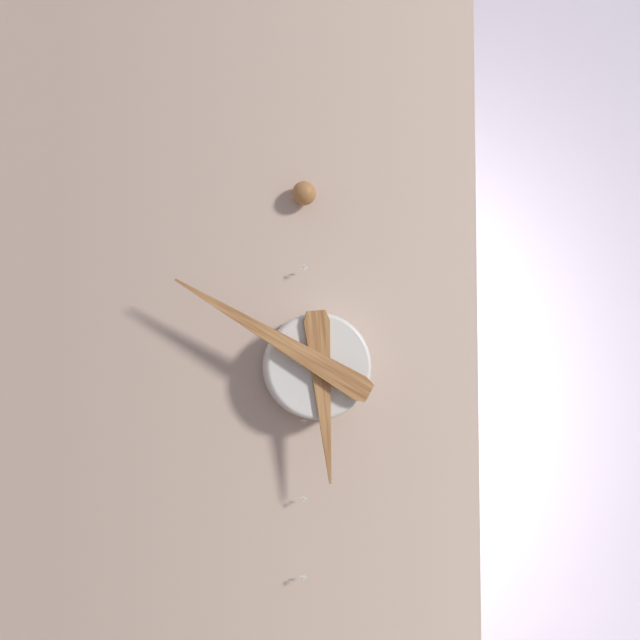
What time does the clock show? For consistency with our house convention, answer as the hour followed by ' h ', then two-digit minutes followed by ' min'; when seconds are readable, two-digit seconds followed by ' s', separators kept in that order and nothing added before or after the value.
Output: 5 h 50 min
